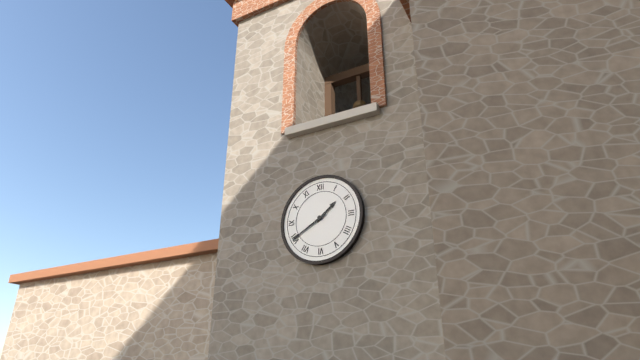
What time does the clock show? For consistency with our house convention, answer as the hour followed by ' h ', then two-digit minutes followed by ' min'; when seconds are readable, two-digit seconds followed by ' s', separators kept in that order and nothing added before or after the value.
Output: 1 h 40 min
